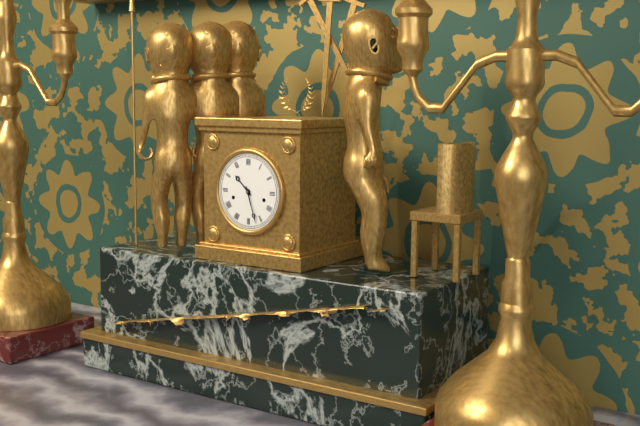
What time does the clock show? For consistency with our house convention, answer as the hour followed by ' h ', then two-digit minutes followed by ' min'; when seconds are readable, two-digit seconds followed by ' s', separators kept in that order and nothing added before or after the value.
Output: 10 h 27 min
